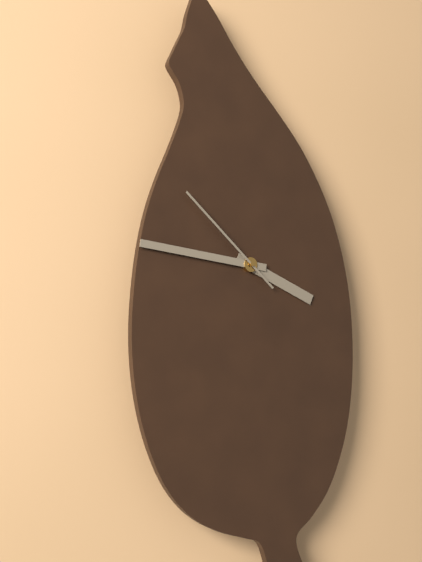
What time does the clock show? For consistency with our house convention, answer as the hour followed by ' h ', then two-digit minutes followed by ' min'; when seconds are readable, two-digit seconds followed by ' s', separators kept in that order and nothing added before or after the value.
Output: 3 h 46 min 52 s
